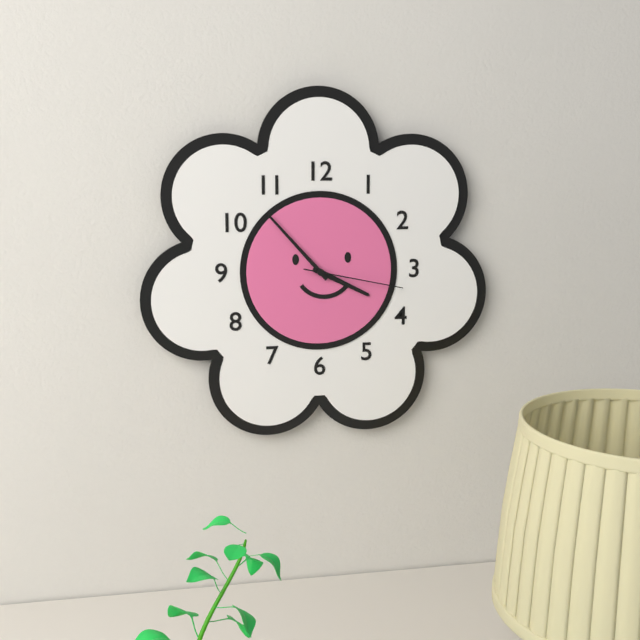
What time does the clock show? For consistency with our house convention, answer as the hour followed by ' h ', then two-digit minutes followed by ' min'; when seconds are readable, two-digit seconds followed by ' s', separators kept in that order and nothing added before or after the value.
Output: 3 h 53 min 17 s
